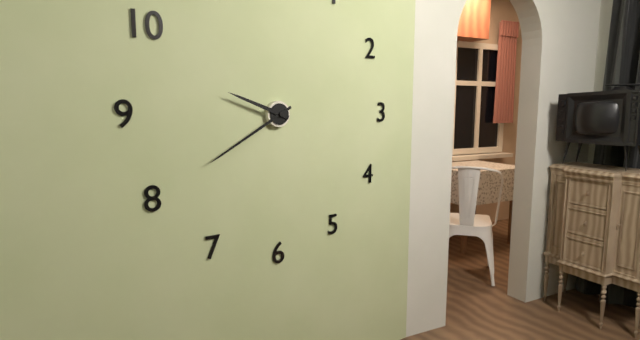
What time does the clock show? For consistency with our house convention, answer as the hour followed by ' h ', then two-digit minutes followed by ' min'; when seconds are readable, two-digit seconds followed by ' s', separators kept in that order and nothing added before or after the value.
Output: 9 h 40 min
